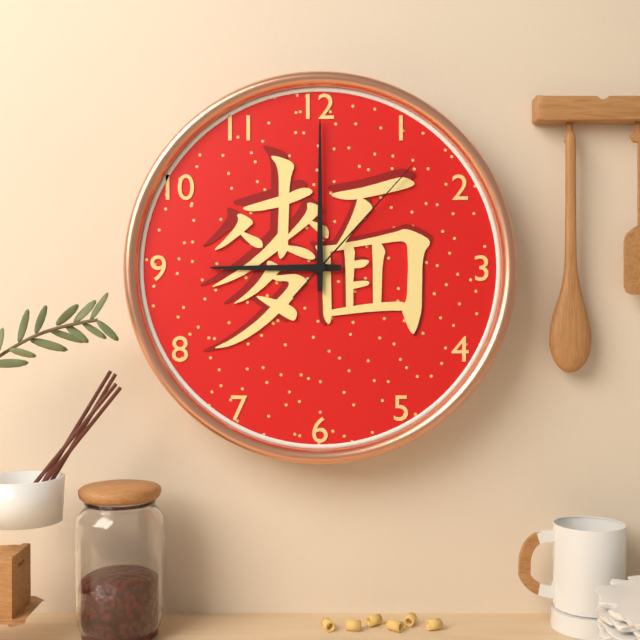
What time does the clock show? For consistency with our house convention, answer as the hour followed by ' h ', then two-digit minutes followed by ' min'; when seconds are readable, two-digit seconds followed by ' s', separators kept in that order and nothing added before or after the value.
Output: 9 h 00 min 07 s
